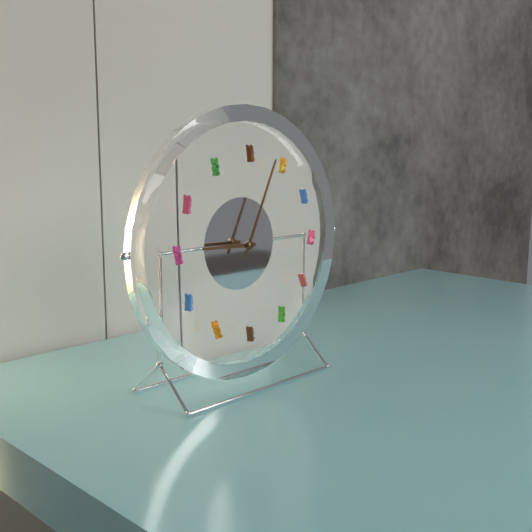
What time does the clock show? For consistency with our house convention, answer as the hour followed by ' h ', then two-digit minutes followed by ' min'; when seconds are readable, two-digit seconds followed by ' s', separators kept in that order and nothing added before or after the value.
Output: 9 h 04 min
